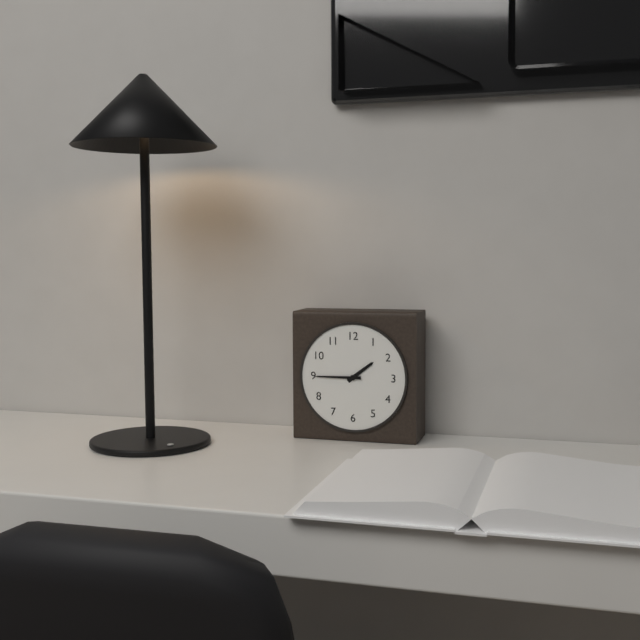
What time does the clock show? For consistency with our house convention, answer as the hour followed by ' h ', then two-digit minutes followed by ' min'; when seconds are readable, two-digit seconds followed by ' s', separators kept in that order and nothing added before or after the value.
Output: 1 h 45 min
